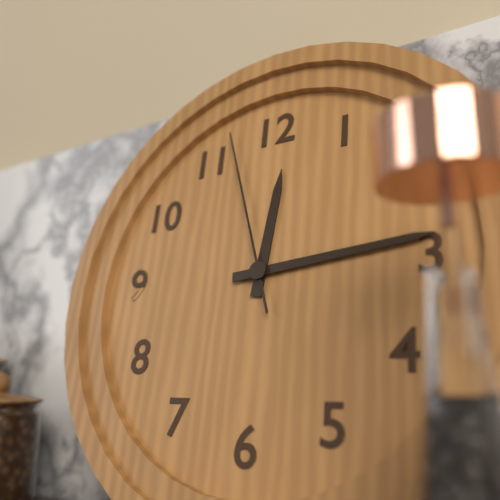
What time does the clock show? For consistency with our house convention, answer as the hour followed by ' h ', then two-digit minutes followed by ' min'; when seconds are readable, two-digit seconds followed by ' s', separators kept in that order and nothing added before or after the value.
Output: 12 h 14 min 57 s
